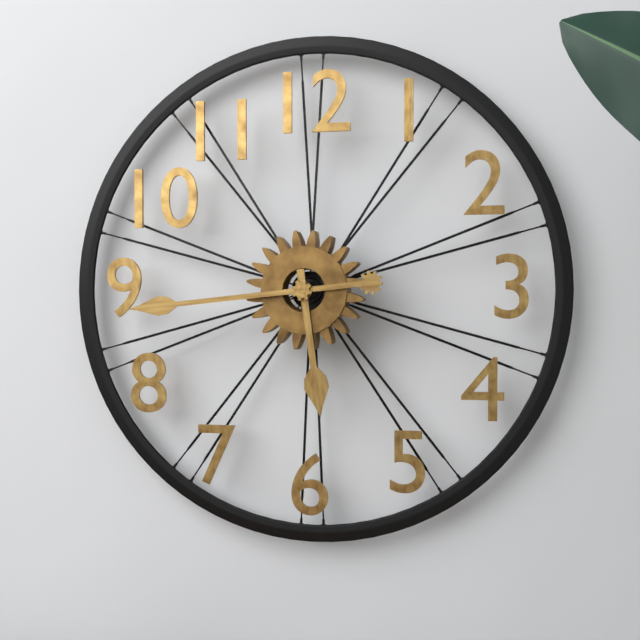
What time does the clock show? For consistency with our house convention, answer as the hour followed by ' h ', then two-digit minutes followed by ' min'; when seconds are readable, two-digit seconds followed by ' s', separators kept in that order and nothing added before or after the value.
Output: 5 h 44 min
